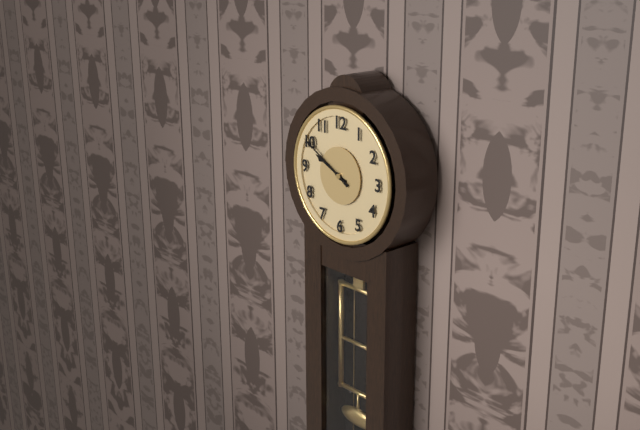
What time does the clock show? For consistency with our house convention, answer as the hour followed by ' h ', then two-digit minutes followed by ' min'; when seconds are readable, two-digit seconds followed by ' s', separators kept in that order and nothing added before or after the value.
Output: 9 h 50 min
